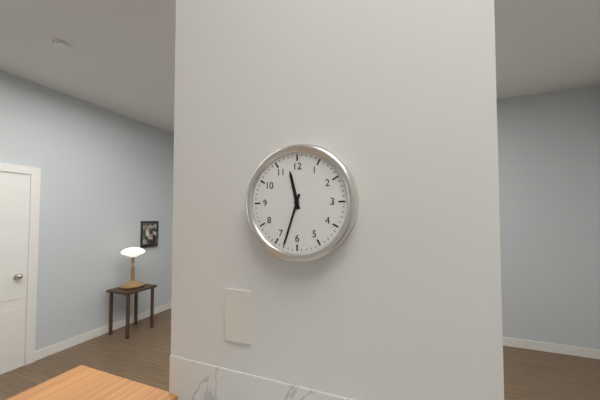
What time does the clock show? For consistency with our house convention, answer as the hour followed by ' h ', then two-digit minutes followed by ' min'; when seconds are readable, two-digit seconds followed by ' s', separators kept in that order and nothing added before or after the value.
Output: 11 h 33 min
